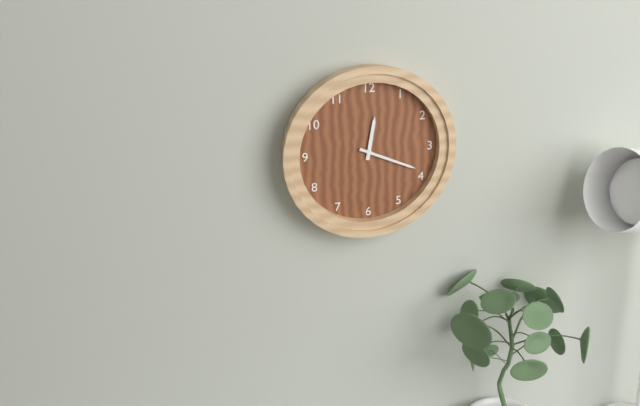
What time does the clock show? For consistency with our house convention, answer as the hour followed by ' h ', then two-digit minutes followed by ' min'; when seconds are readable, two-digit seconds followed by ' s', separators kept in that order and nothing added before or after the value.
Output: 12 h 19 min
